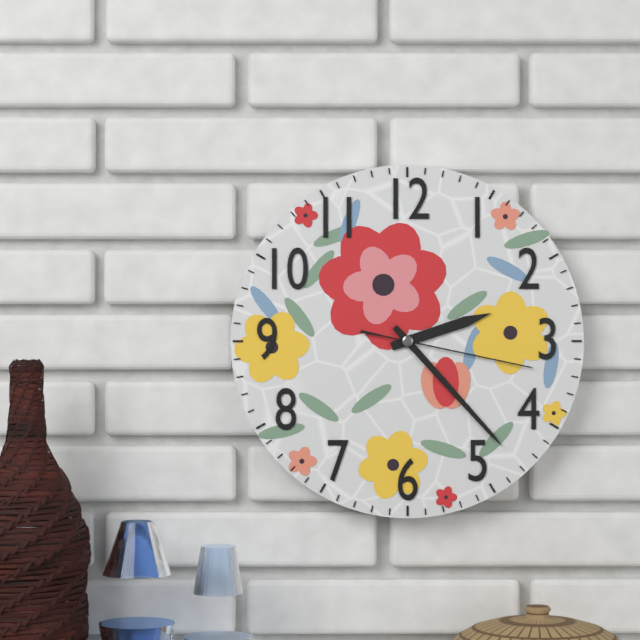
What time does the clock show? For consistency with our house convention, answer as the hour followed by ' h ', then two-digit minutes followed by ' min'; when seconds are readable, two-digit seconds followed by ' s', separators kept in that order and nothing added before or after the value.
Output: 2 h 23 min 17 s
